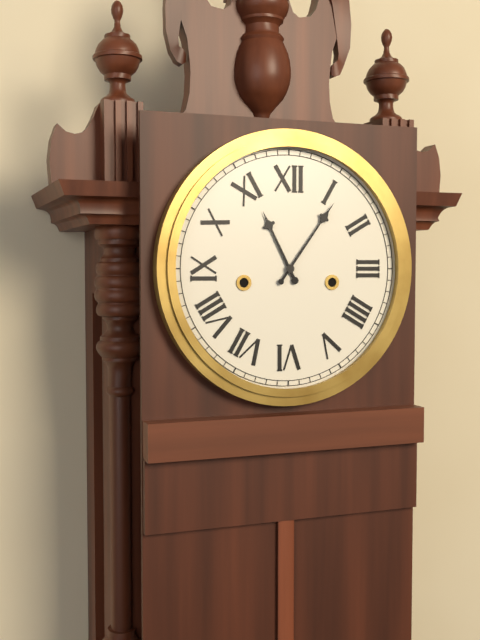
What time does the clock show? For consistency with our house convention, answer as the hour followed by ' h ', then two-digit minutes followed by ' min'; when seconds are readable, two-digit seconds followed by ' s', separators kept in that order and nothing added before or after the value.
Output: 11 h 06 min
